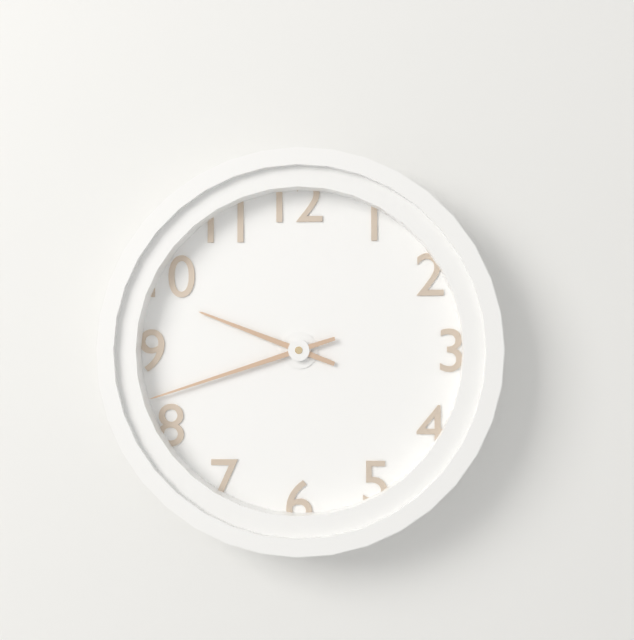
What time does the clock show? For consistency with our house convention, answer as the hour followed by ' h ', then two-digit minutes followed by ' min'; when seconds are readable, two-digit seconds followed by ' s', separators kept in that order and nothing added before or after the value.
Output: 9 h 42 min
